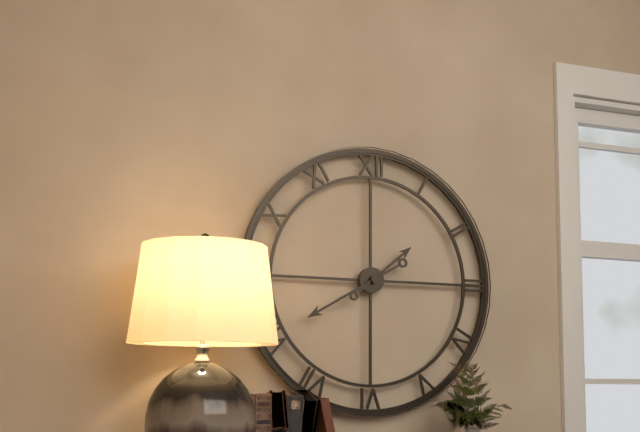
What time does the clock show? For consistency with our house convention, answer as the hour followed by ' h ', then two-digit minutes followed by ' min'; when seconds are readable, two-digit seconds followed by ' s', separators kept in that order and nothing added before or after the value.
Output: 1 h 40 min
